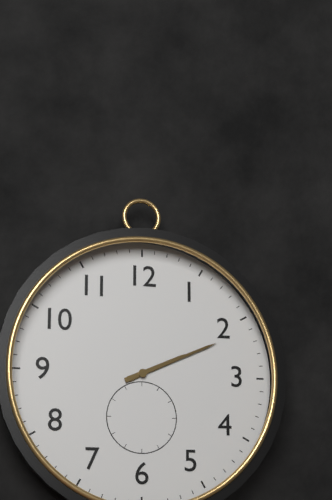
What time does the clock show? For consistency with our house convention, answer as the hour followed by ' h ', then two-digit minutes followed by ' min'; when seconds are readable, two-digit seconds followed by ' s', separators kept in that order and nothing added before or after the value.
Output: 2 h 11 min
